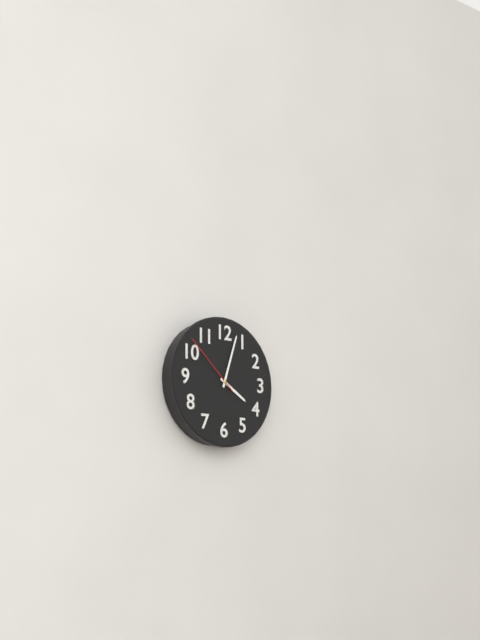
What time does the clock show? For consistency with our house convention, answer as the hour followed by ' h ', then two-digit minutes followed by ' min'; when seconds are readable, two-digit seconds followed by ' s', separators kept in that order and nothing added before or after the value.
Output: 4 h 03 min 52 s
